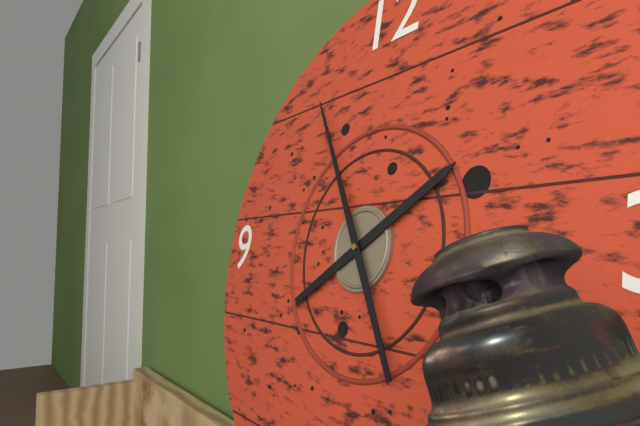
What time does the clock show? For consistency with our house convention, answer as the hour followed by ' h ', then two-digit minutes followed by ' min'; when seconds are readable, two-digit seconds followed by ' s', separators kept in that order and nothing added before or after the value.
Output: 1 h 55 min
